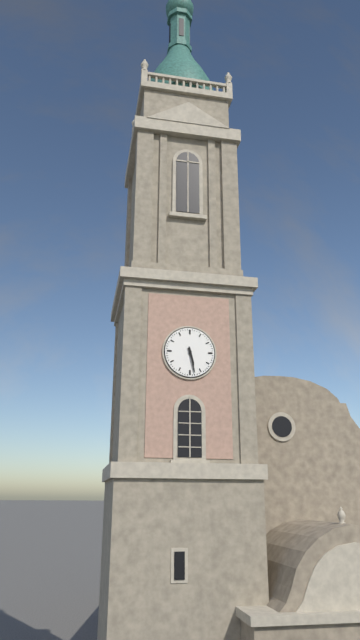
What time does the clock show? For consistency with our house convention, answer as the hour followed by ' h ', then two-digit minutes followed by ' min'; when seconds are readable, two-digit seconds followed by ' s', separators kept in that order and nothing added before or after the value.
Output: 5 h 28 min
